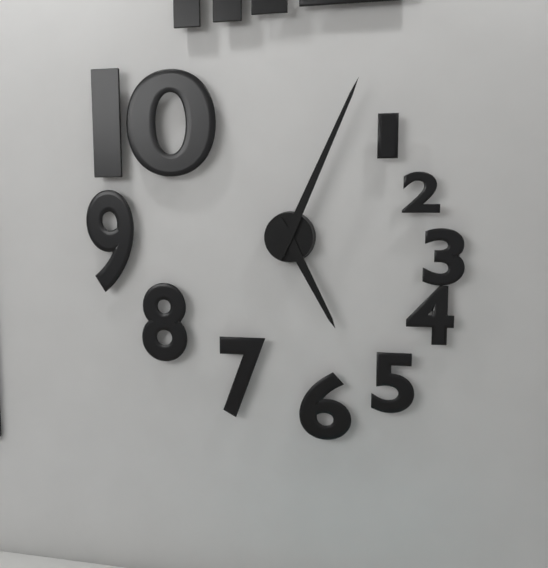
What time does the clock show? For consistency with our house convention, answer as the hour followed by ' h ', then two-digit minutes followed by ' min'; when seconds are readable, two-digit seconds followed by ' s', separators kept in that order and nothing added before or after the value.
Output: 5 h 04 min
